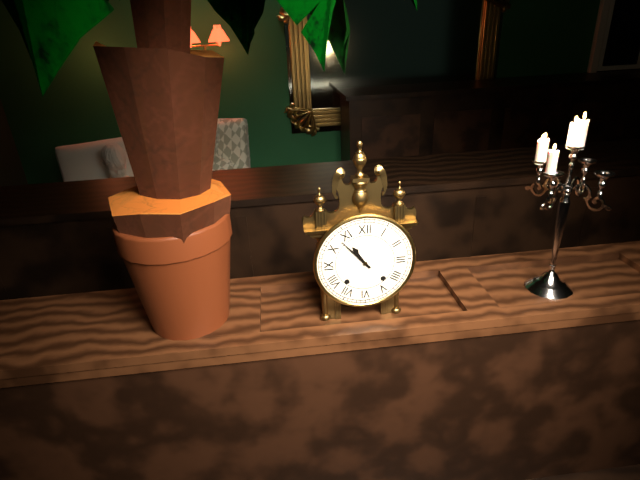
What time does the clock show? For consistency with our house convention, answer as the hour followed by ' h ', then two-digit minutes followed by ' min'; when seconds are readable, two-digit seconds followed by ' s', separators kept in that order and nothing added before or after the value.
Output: 10 h 53 min
